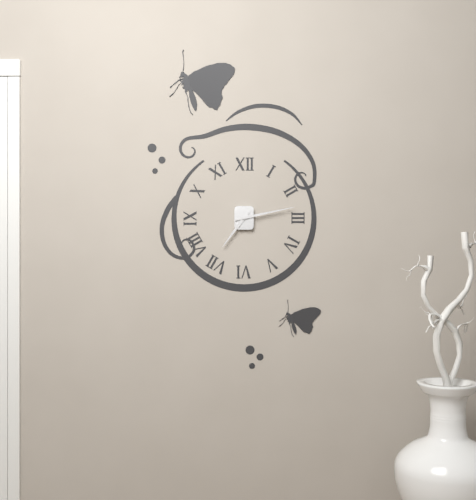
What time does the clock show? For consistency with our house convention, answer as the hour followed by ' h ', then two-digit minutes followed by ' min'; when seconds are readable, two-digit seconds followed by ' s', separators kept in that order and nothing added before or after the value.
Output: 7 h 13 min
